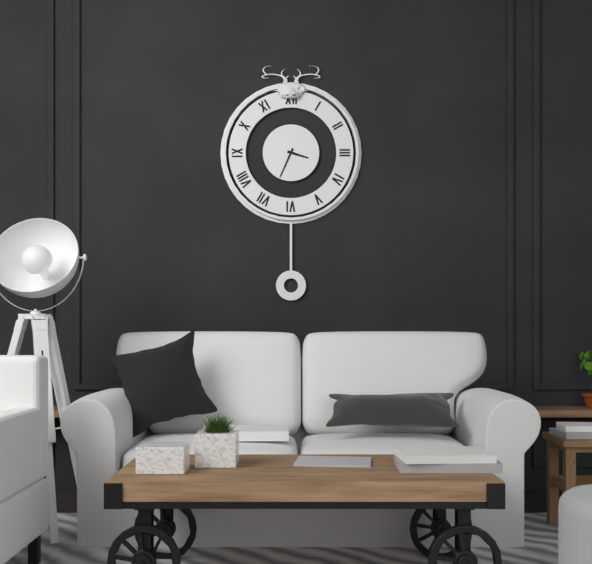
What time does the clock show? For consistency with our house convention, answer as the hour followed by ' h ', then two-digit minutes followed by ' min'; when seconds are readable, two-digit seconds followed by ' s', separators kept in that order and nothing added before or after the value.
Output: 3 h 34 min
